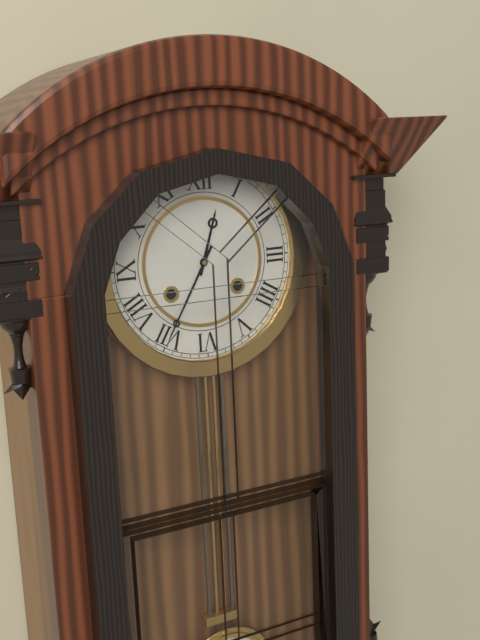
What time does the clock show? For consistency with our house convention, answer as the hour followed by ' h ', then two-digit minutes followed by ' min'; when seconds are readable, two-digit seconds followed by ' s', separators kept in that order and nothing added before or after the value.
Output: 12 h 35 min
